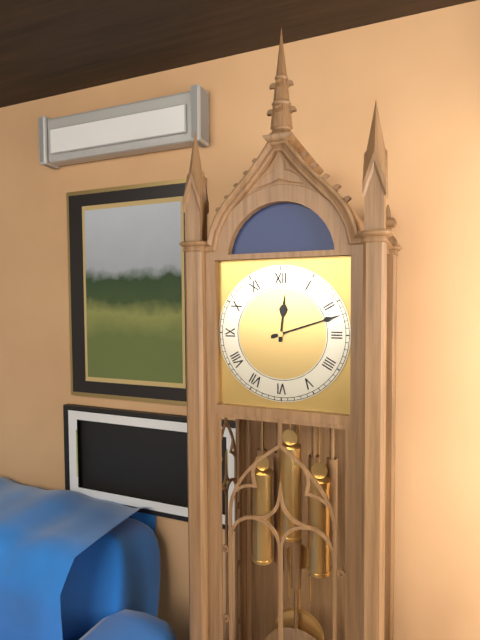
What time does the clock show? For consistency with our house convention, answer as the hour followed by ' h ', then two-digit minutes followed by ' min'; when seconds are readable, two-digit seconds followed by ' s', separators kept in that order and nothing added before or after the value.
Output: 12 h 12 min
